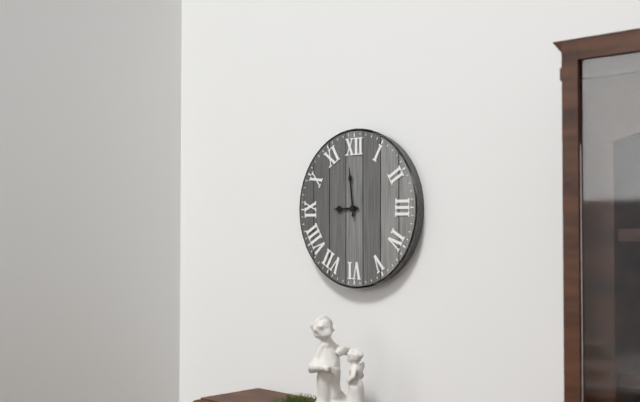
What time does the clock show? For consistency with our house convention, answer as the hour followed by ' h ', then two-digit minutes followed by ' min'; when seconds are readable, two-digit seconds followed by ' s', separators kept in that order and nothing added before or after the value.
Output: 8 h 59 min
